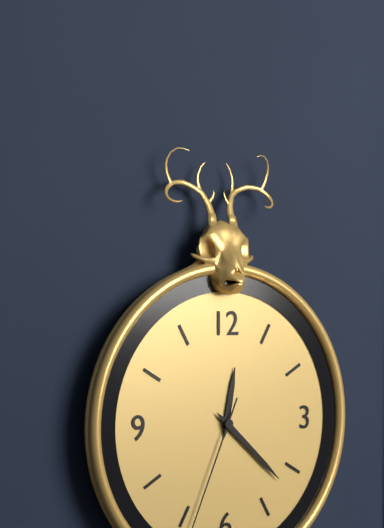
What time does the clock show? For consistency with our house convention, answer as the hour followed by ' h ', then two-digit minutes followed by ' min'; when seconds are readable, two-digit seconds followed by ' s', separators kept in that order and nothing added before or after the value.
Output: 12 h 22 min
